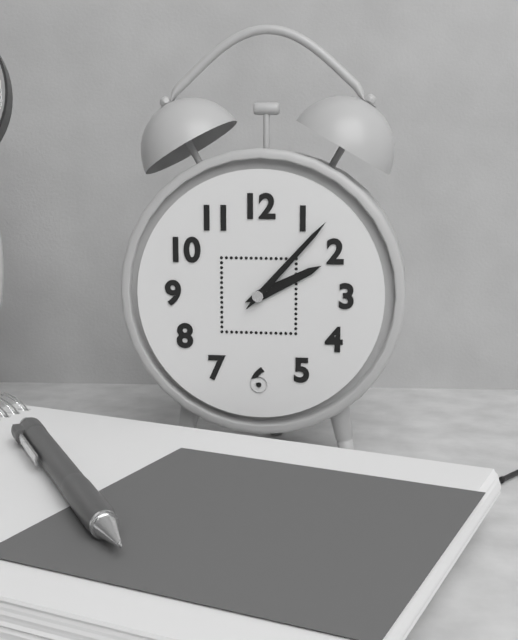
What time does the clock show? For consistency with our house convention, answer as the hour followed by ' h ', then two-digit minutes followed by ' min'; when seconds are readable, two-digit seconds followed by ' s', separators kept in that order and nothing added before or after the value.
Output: 2 h 07 min
